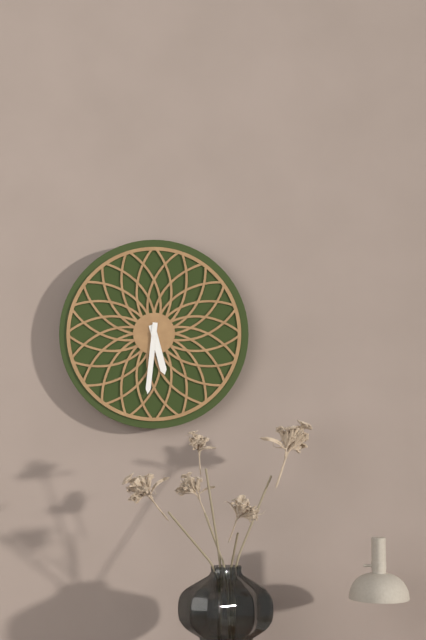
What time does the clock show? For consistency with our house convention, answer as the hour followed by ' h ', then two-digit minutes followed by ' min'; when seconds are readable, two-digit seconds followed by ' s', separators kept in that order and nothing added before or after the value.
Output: 5 h 31 min
